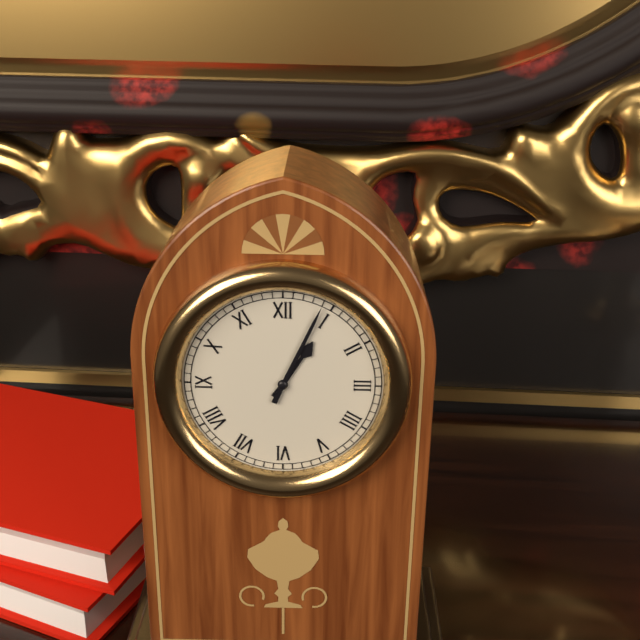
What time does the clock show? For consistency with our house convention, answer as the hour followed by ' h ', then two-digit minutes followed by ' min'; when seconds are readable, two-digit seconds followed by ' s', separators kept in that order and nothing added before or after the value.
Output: 1 h 04 min
